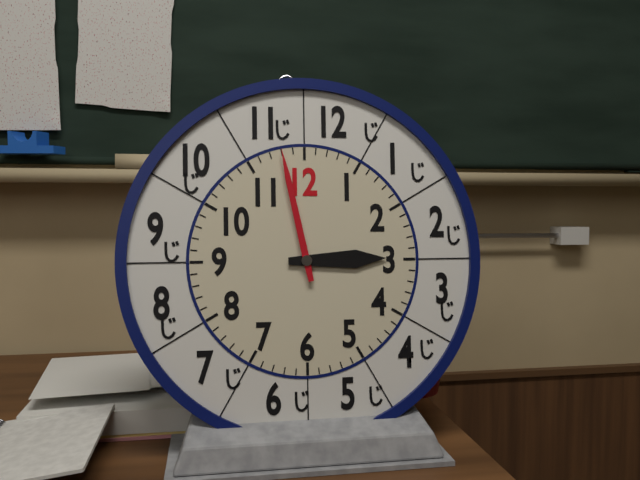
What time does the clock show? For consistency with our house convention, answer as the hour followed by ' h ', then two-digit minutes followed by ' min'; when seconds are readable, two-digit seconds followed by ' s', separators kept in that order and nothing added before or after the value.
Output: 2 h 58 min
